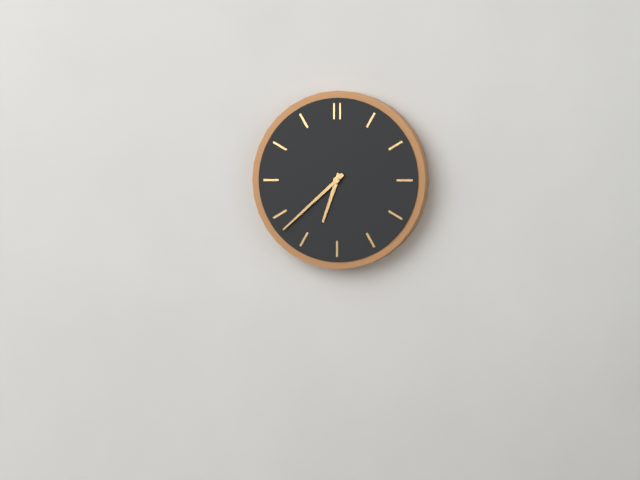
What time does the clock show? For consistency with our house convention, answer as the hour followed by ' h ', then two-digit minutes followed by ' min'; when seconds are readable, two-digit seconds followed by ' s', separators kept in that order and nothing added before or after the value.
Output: 6 h 38 min
